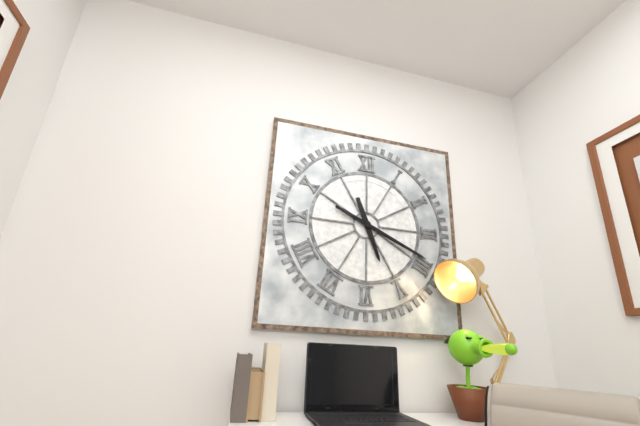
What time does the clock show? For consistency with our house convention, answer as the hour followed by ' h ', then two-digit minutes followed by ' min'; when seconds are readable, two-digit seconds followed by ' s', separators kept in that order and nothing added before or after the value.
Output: 5 h 19 min
